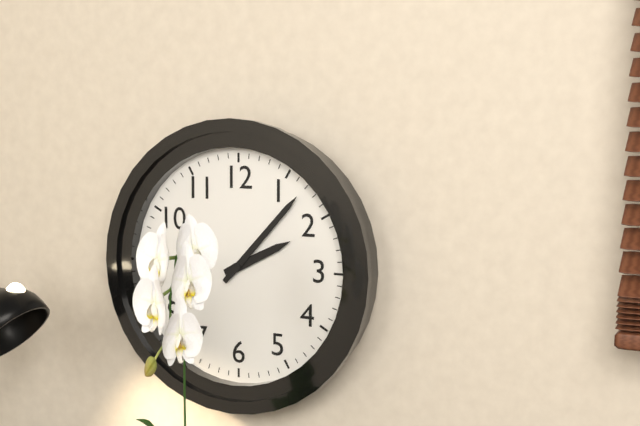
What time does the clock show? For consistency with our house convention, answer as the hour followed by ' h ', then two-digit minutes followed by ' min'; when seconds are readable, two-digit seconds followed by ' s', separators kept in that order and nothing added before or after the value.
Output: 2 h 07 min
